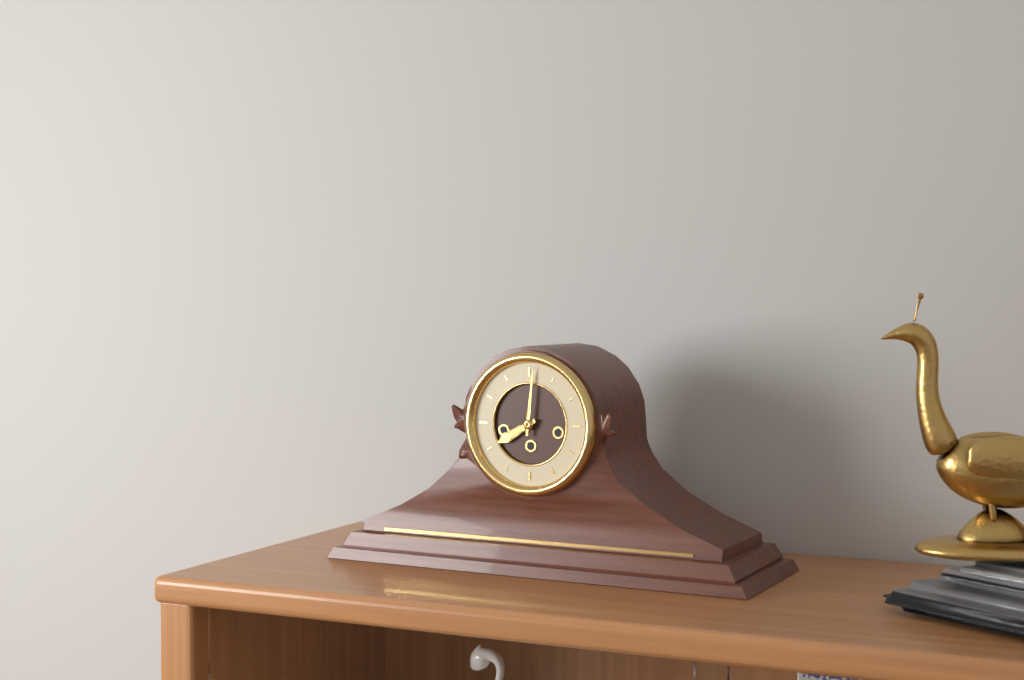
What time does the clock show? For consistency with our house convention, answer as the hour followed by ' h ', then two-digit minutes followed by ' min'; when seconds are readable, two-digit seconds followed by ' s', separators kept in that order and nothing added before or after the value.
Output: 8 h 01 min
